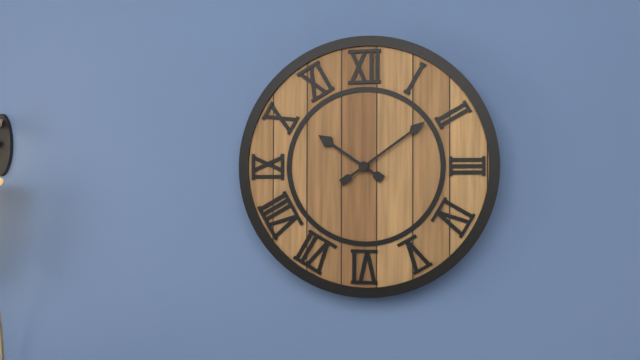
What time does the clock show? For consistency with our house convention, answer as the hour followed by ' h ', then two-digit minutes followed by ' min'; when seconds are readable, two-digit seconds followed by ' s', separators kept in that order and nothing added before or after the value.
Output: 10 h 09 min
